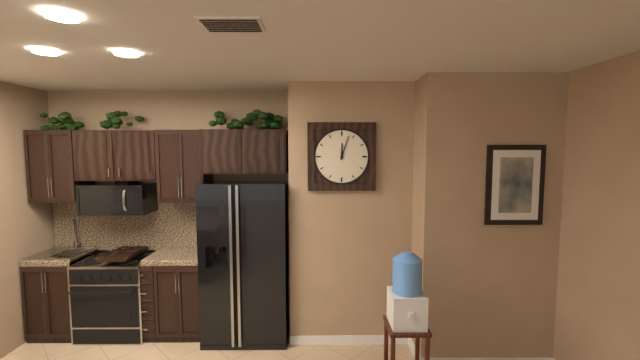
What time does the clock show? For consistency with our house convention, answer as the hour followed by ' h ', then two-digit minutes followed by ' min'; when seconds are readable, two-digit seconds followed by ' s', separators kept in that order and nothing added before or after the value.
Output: 12 h 03 min
